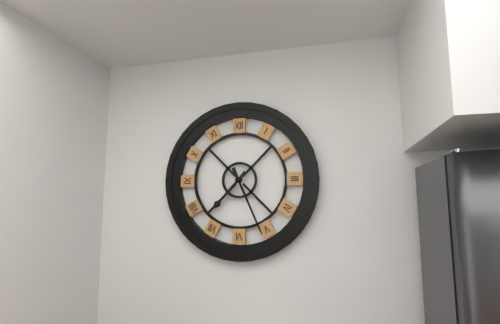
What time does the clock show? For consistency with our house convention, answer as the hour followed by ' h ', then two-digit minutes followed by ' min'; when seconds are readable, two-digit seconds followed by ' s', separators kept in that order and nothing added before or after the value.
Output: 7 h 26 min
